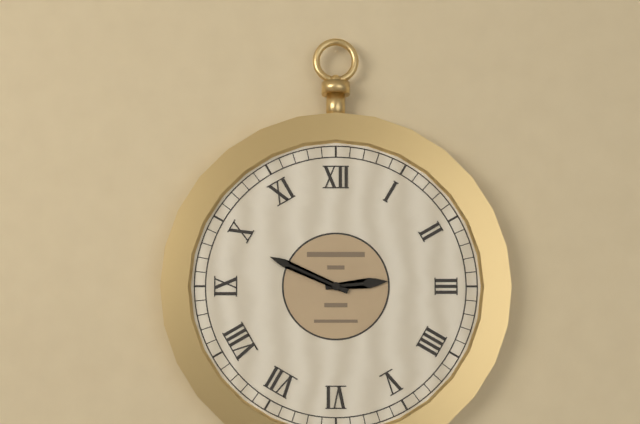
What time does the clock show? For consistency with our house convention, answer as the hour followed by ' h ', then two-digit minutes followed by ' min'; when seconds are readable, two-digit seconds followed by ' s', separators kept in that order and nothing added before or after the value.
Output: 2 h 49 min
